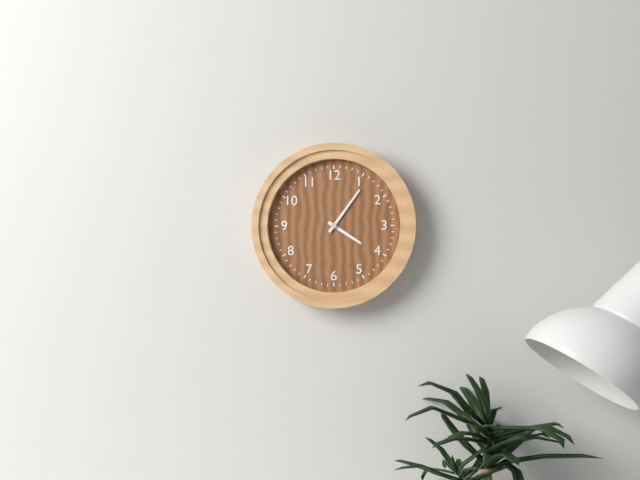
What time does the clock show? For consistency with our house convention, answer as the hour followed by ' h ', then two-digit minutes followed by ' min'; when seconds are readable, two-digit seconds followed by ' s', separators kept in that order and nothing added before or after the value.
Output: 4 h 06 min
